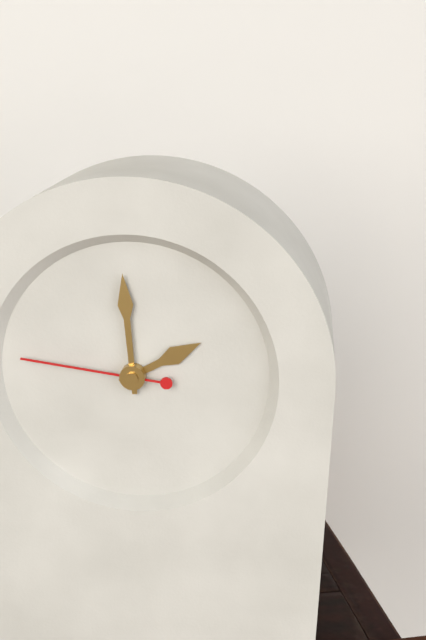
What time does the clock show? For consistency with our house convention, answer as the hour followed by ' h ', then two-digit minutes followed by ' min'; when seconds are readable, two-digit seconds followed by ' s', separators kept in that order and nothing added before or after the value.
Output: 1 h 59 min 46 s
